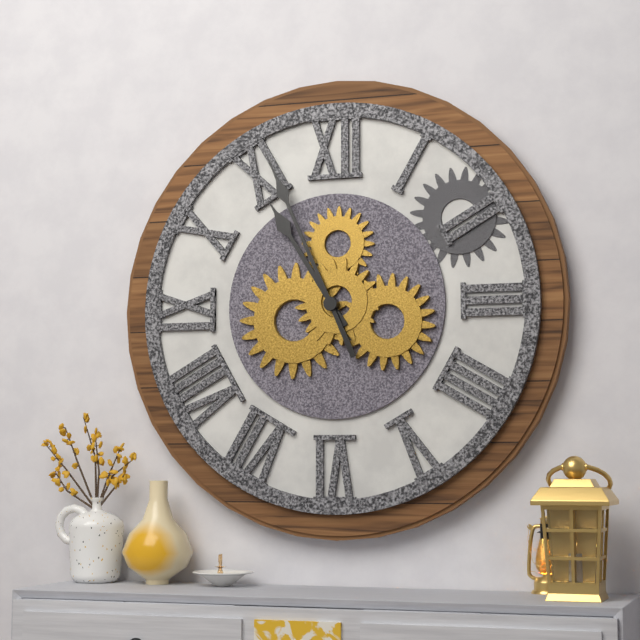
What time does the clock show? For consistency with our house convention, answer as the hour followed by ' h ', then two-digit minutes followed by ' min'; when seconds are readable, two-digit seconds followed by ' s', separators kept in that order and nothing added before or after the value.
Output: 10 h 56 min
